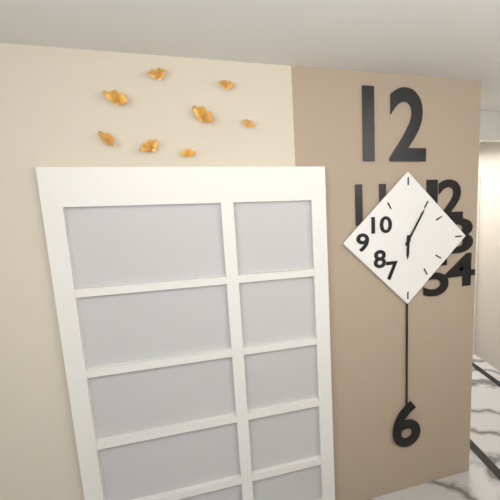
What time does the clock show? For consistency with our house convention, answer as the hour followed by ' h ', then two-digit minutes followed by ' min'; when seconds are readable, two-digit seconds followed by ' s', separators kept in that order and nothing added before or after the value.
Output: 6 h 05 min
